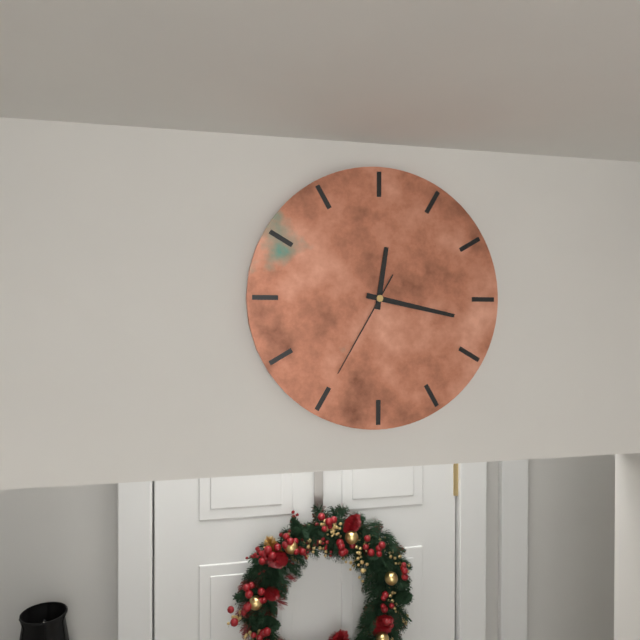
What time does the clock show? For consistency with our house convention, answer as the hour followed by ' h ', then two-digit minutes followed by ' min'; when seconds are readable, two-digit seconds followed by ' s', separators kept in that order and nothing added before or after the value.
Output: 12 h 17 min 35 s
